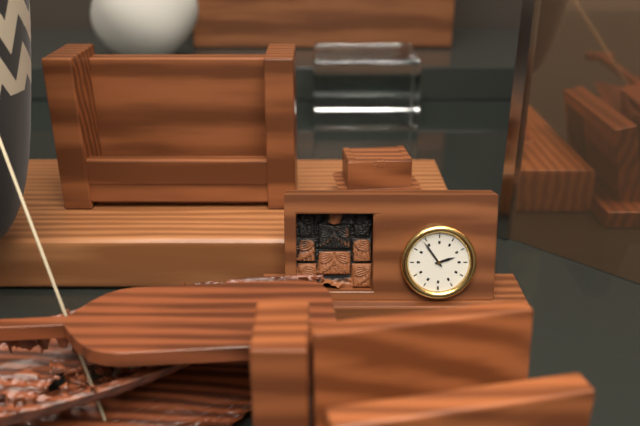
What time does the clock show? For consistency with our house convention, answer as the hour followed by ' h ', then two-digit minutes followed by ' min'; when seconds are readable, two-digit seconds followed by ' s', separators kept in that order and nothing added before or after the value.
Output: 8 h 24 min
